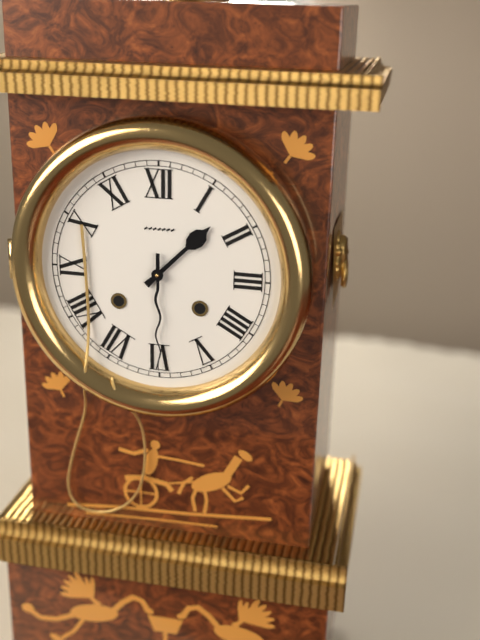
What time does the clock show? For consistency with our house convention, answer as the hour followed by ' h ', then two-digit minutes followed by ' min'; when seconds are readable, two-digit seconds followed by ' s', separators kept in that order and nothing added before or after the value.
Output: 1 h 30 min
